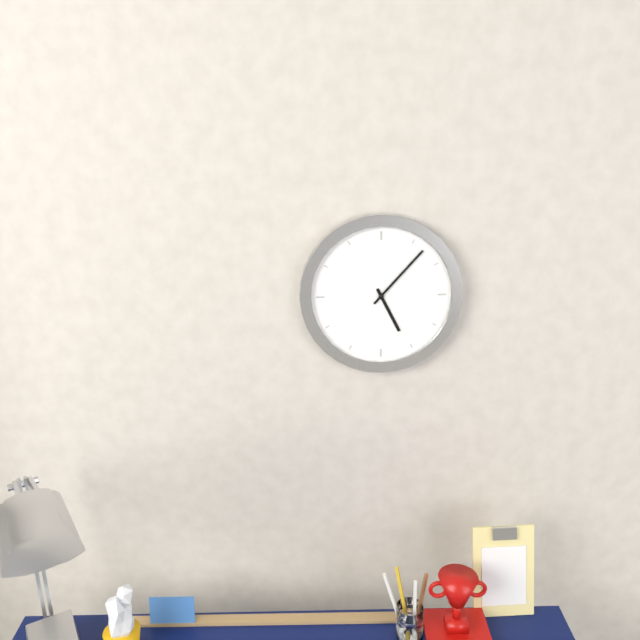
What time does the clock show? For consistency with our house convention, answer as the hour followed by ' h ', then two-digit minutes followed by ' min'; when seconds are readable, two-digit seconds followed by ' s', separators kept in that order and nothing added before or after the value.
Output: 5 h 07 min
